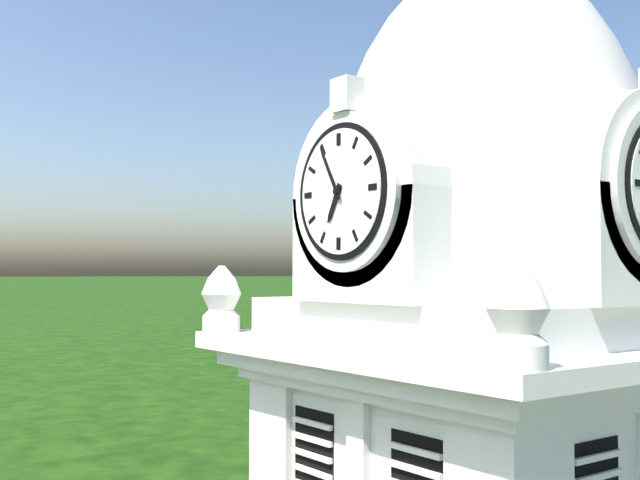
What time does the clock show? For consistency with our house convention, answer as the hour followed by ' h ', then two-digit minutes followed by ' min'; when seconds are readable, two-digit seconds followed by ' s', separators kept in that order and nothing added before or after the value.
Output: 6 h 55 min
